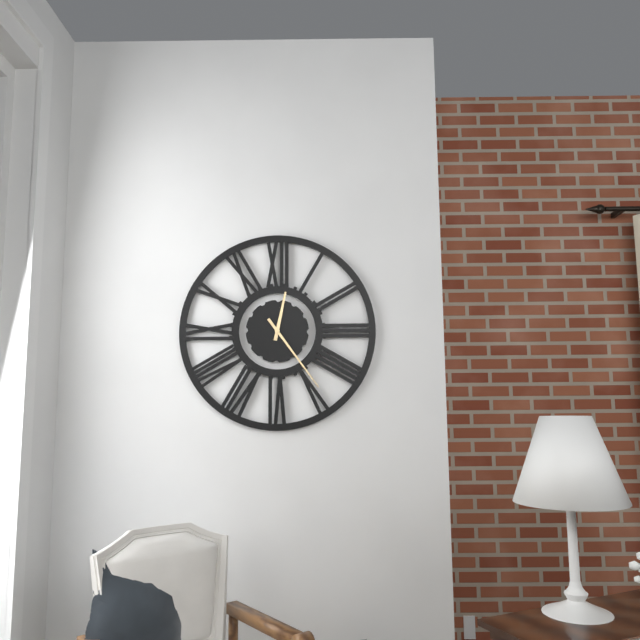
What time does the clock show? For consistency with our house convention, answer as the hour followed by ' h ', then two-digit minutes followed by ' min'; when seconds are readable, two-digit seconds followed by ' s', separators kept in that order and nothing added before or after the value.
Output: 12 h 24 min
